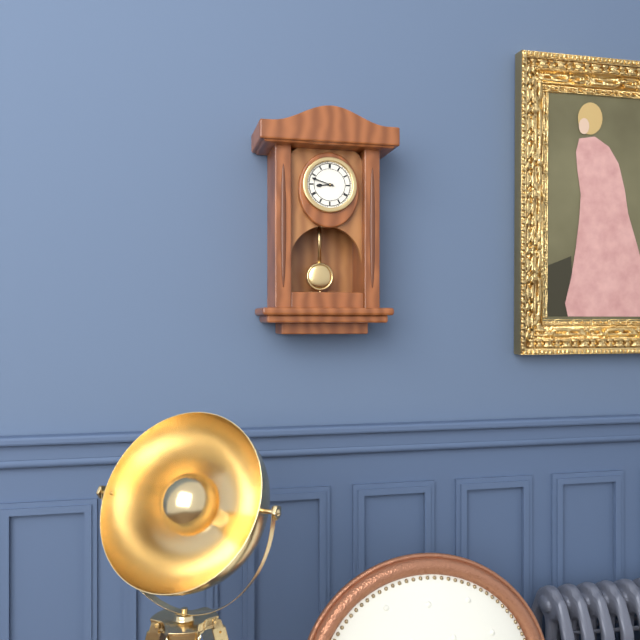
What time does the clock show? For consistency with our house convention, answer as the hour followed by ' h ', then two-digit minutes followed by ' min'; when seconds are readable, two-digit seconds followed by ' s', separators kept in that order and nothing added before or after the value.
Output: 8 h 48 min
